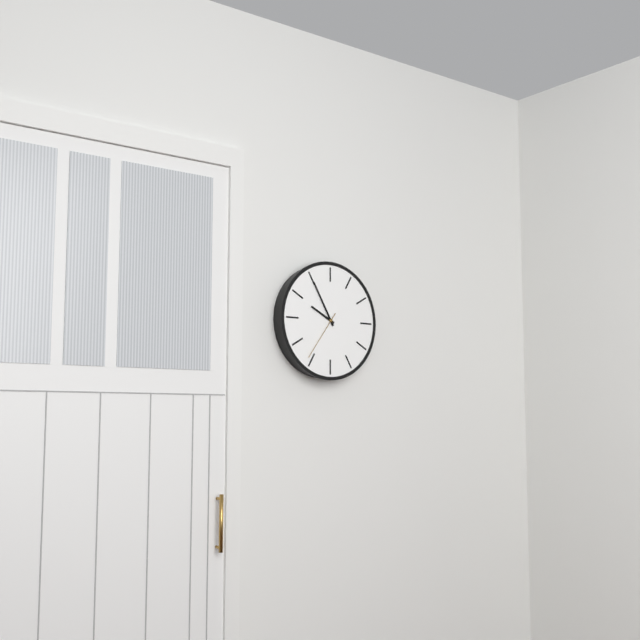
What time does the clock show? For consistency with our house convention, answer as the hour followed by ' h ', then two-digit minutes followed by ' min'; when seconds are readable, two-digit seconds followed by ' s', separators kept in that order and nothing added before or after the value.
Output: 9 h 55 min 36 s
